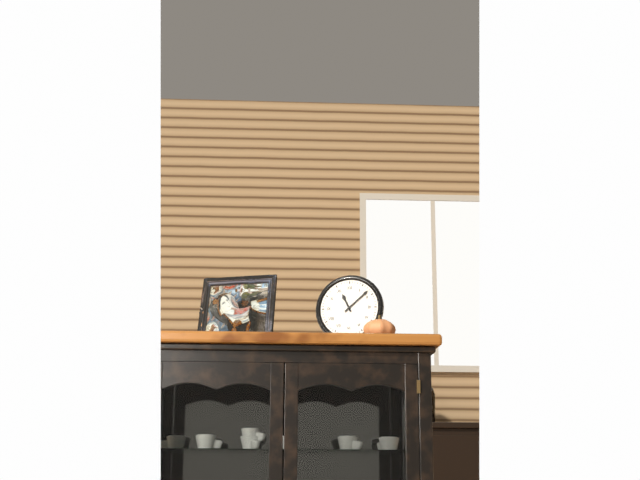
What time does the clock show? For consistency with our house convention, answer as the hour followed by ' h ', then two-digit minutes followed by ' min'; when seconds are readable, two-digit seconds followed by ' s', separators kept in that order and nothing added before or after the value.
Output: 11 h 08 min
